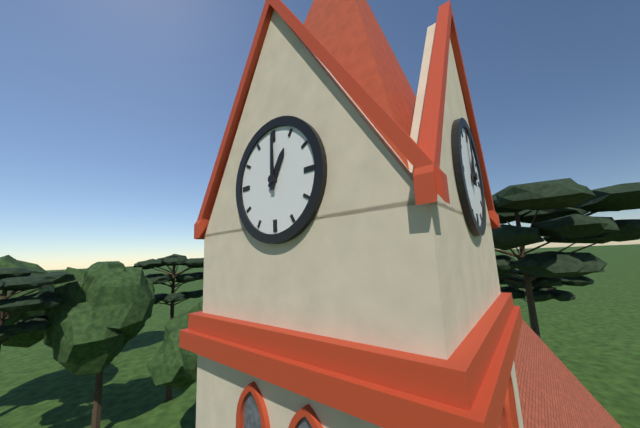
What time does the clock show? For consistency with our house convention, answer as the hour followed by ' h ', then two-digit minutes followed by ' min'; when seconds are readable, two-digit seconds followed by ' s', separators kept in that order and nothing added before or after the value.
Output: 1 h 00 min
